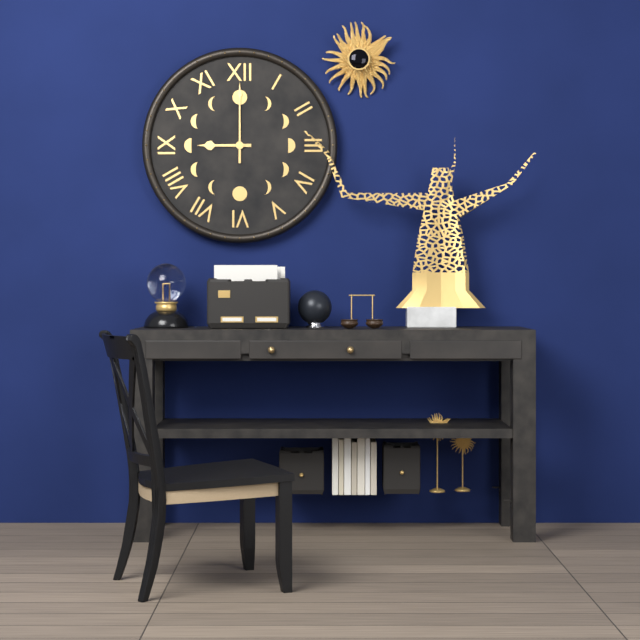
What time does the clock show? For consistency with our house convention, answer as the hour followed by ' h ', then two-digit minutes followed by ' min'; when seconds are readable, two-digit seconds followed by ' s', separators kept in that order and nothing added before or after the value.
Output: 9 h 00 min
